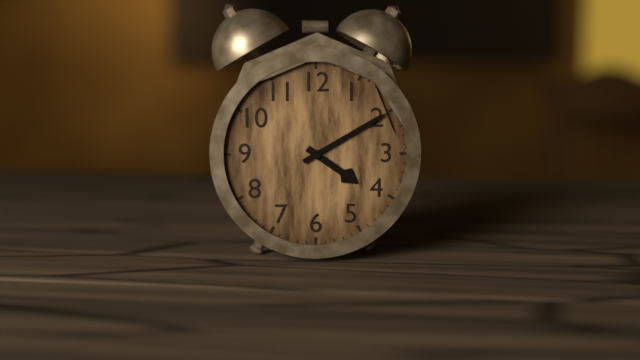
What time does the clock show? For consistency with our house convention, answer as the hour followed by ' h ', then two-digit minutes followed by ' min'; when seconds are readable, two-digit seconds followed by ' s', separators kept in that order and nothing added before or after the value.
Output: 4 h 10 min
